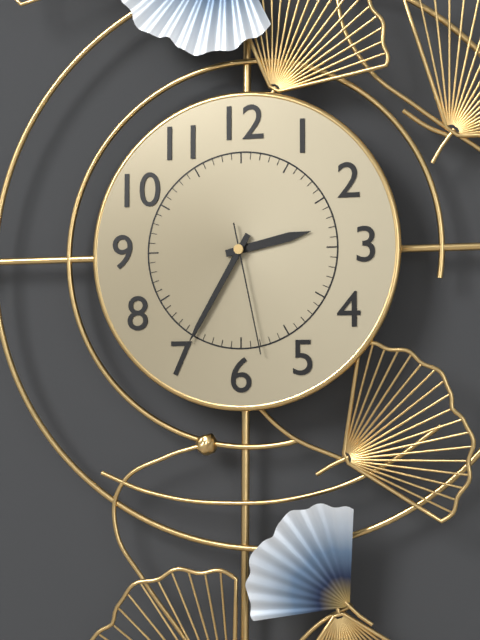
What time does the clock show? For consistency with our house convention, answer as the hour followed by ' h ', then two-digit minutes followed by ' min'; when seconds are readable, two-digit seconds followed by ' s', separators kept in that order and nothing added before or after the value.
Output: 2 h 35 min 28 s
